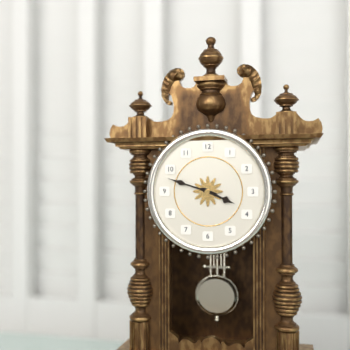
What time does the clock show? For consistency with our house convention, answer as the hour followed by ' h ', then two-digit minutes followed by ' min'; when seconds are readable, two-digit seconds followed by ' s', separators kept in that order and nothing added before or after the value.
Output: 3 h 48 min
